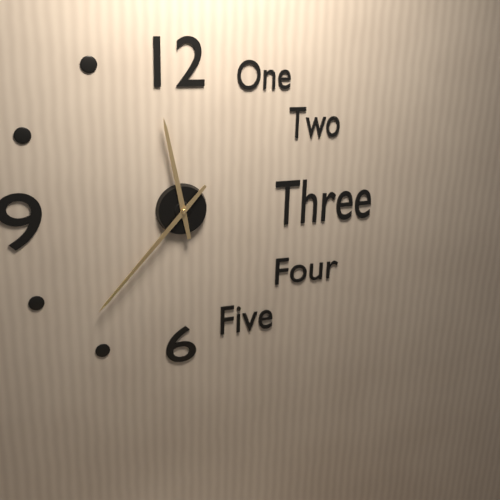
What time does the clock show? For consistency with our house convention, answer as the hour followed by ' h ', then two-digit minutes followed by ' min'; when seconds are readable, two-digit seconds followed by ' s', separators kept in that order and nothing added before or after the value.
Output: 11 h 37 min
